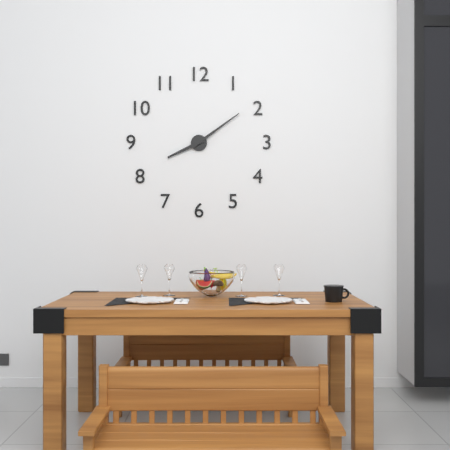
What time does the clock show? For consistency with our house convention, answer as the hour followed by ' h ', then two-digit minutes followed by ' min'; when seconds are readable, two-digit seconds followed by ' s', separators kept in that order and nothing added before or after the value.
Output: 8 h 09 min
